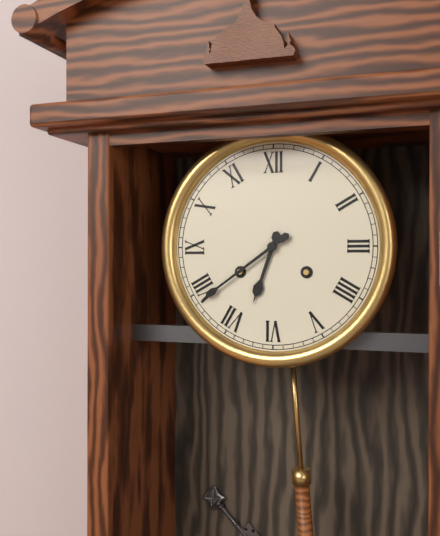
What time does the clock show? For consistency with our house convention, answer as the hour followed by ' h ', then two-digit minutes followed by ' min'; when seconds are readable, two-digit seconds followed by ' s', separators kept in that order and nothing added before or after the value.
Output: 6 h 39 min
